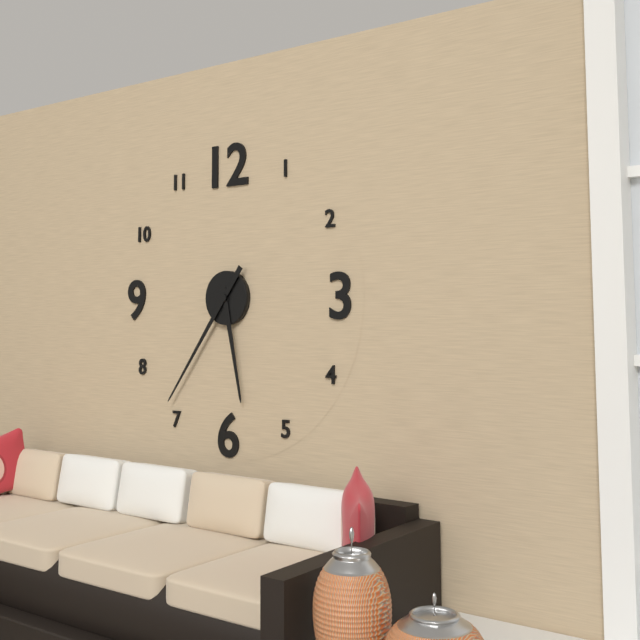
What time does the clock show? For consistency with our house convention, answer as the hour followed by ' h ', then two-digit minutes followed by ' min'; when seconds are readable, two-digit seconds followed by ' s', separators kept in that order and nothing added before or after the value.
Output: 5 h 36 min
